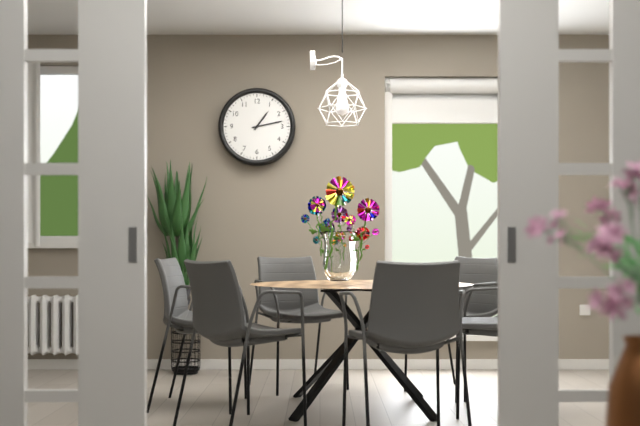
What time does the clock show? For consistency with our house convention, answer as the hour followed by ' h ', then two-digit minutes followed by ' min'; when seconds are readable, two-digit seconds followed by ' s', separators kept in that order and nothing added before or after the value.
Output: 1 h 13 min
